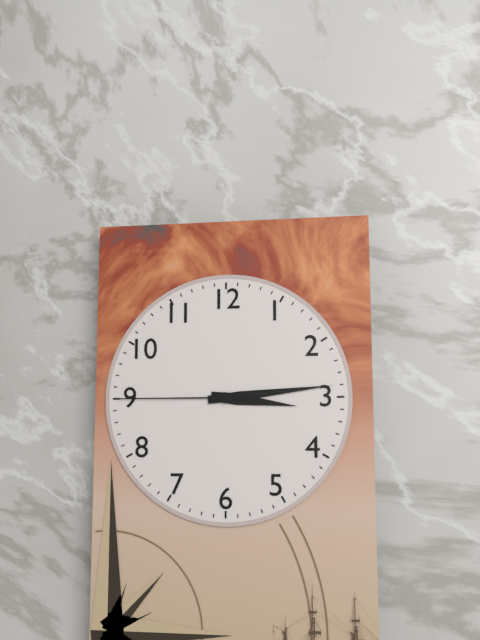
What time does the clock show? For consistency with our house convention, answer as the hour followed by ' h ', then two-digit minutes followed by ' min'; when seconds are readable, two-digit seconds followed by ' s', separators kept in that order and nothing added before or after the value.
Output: 3 h 14 min 45 s
